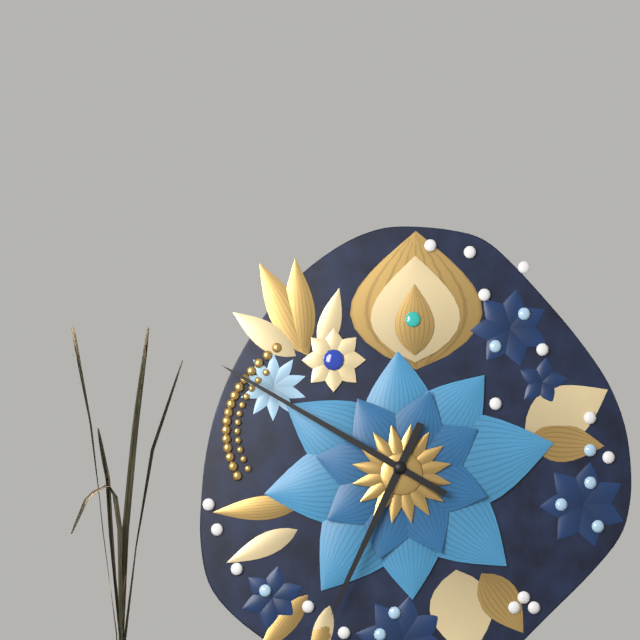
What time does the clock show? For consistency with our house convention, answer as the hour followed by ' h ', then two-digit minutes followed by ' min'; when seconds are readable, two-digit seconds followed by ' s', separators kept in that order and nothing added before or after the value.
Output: 6 h 50 min
